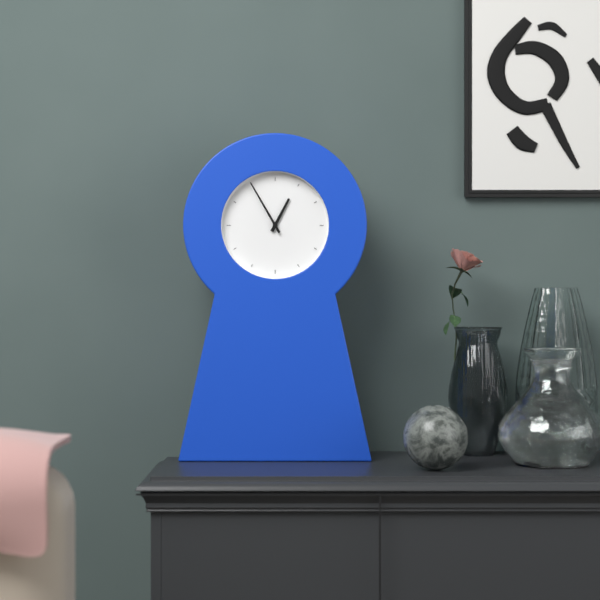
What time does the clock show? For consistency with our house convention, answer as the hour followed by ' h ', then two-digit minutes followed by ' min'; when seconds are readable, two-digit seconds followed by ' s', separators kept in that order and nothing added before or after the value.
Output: 12 h 55 min
